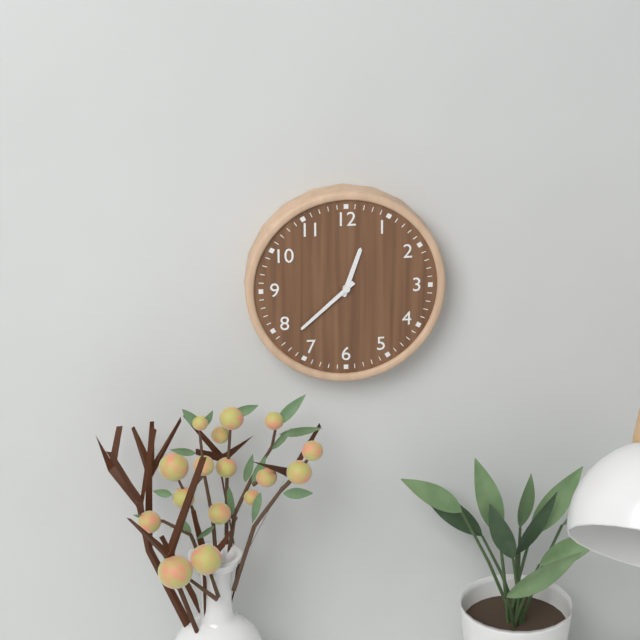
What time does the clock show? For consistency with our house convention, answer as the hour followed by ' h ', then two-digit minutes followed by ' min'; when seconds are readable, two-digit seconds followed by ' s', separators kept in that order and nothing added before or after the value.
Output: 12 h 38 min
